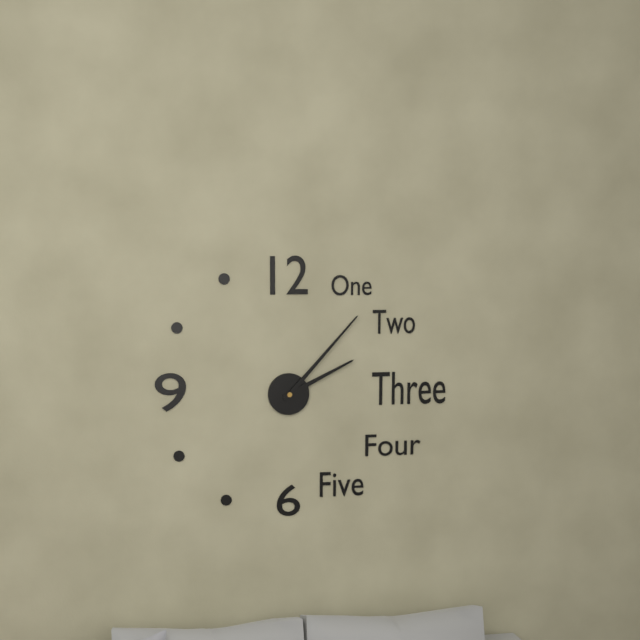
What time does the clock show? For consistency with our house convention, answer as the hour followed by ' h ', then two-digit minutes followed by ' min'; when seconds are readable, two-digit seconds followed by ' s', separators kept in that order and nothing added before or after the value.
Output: 2 h 07 min
